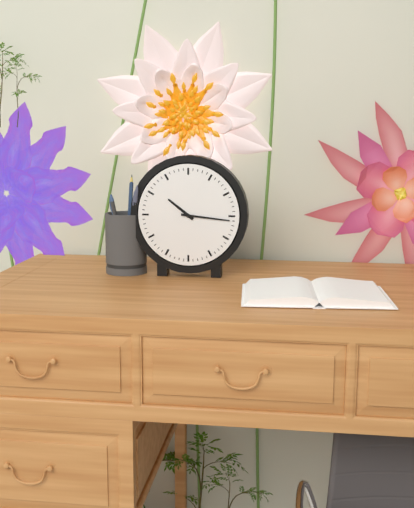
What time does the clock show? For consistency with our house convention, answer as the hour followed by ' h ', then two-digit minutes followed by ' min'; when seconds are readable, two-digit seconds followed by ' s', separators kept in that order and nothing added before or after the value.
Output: 10 h 16 min
